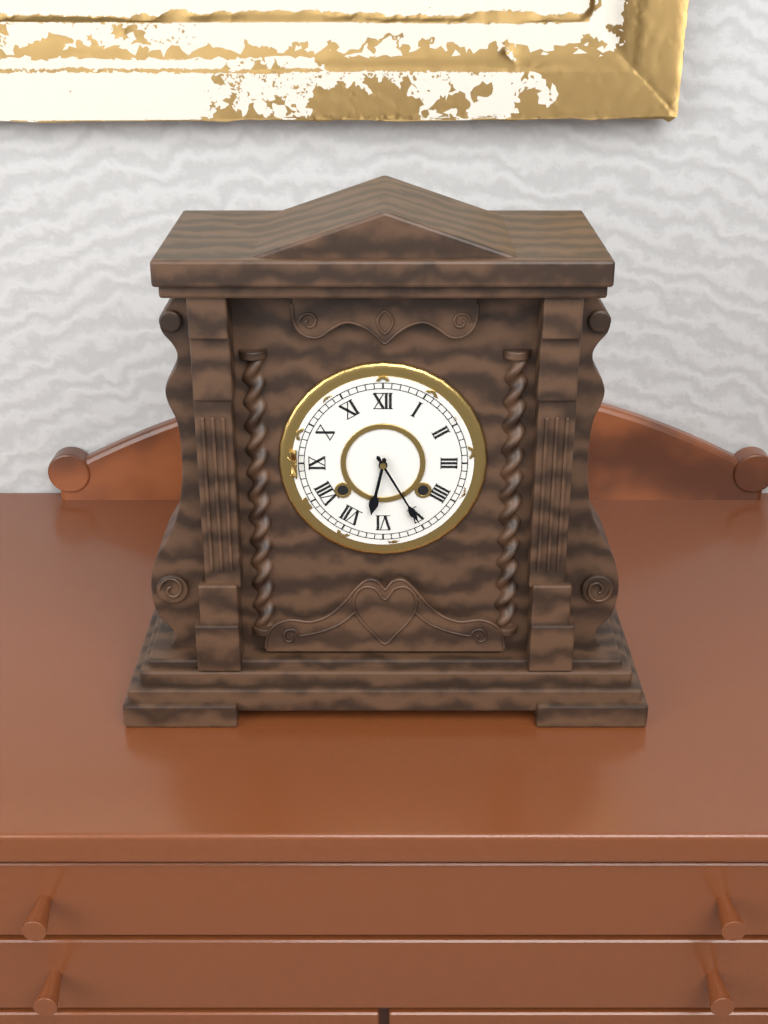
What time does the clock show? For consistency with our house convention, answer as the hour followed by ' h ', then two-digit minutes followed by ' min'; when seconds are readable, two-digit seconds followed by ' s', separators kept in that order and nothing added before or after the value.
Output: 6 h 25 min
